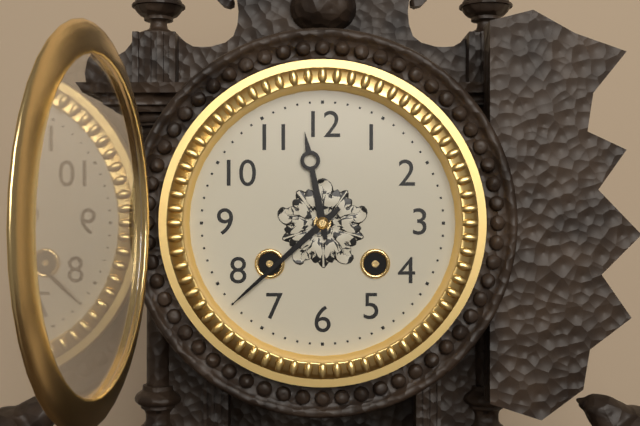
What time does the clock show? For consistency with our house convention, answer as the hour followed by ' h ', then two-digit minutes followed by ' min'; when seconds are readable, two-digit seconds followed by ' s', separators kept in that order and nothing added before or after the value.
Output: 11 h 38 min
